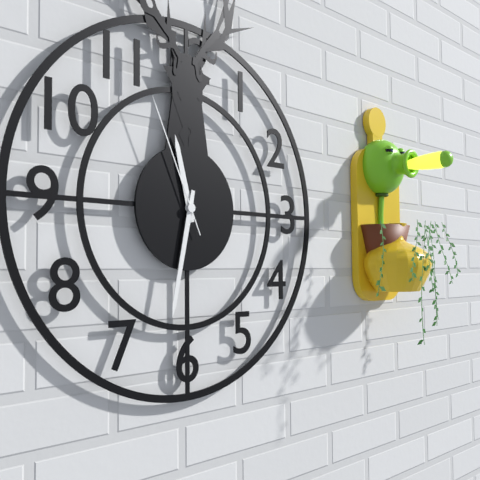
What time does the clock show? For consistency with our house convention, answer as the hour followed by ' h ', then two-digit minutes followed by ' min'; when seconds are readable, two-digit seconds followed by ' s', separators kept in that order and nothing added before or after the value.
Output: 11 h 32 min 56 s
